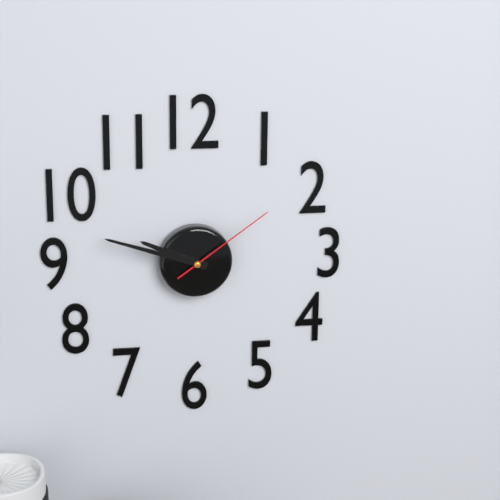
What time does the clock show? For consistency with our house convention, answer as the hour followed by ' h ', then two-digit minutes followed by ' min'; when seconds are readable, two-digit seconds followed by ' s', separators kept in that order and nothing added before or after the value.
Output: 9 h 48 min 09 s
